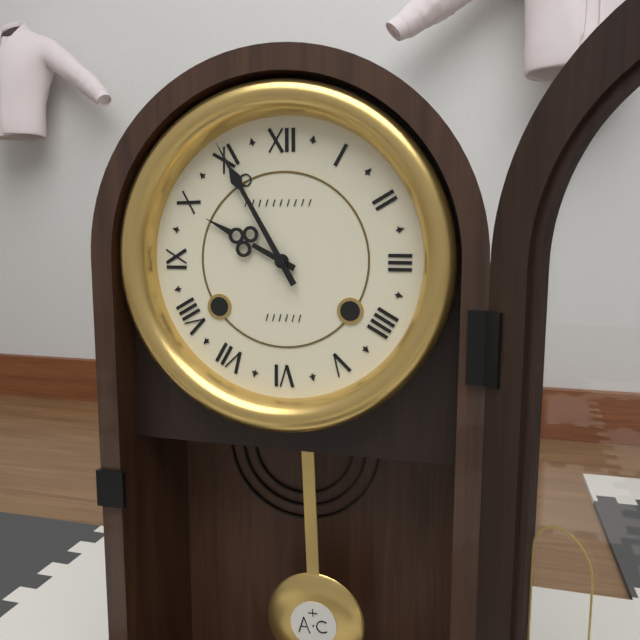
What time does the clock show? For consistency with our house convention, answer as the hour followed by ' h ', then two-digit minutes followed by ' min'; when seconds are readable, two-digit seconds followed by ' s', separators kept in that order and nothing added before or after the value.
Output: 9 h 55 min
